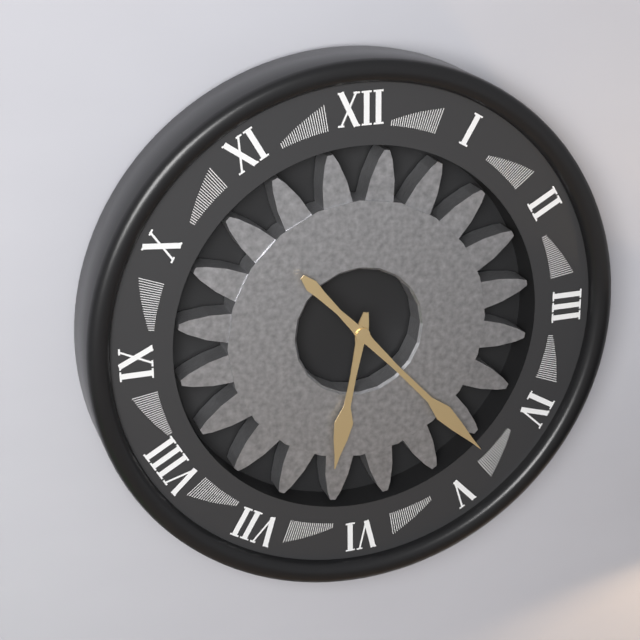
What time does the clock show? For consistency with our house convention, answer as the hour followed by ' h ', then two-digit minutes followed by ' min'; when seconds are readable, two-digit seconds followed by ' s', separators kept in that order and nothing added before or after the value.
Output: 6 h 23 min
